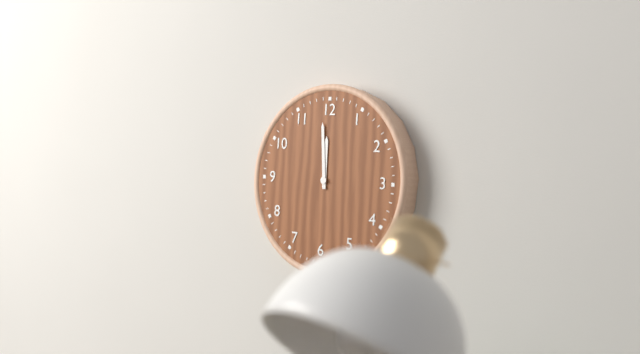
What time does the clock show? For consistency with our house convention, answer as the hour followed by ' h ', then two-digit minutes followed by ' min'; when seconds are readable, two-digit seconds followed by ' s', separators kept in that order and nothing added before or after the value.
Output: 11 h 59 min
